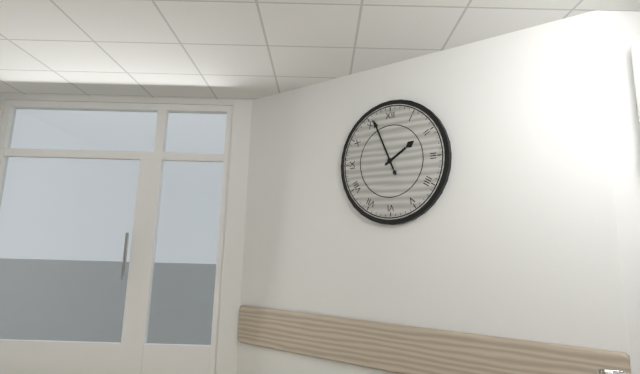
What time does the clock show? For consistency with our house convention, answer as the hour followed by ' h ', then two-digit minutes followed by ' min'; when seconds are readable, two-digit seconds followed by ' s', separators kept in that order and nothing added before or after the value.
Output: 1 h 56 min
